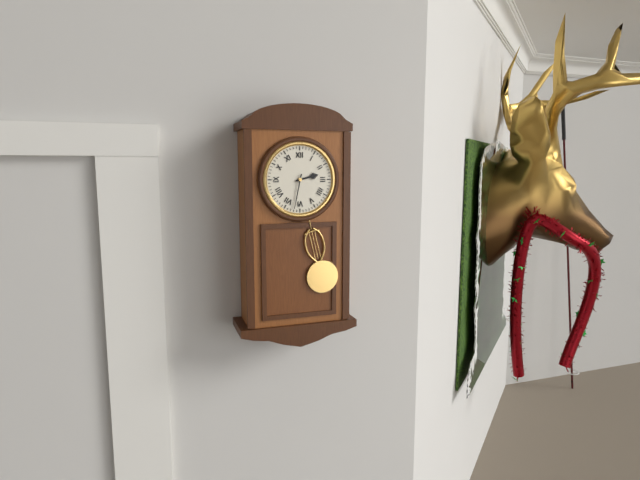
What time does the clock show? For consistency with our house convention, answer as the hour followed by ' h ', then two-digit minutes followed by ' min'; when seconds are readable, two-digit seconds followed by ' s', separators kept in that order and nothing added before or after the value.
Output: 2 h 32 min
